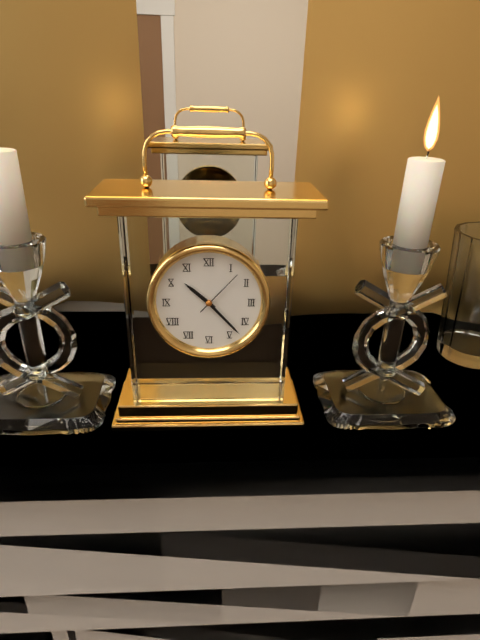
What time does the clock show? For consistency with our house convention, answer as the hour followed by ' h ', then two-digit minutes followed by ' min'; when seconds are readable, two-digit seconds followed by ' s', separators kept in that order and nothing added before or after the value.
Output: 10 h 23 min 07 s
